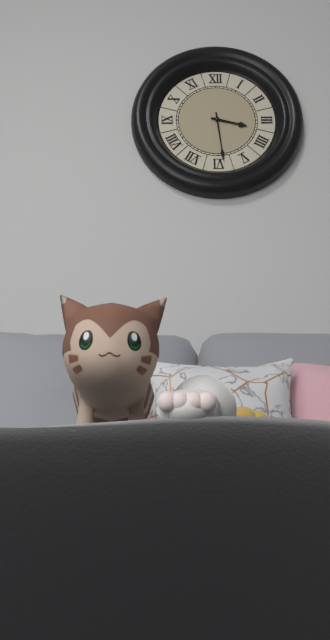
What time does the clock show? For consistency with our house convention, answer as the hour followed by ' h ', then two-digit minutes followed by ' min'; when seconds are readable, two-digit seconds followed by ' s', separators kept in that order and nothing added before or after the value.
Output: 3 h 29 min
